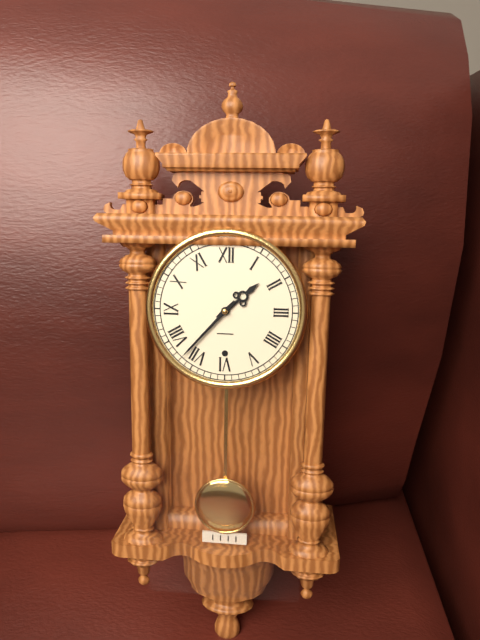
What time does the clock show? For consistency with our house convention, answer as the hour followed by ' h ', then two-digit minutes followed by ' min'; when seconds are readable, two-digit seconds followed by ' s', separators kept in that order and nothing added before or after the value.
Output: 1 h 37 min
